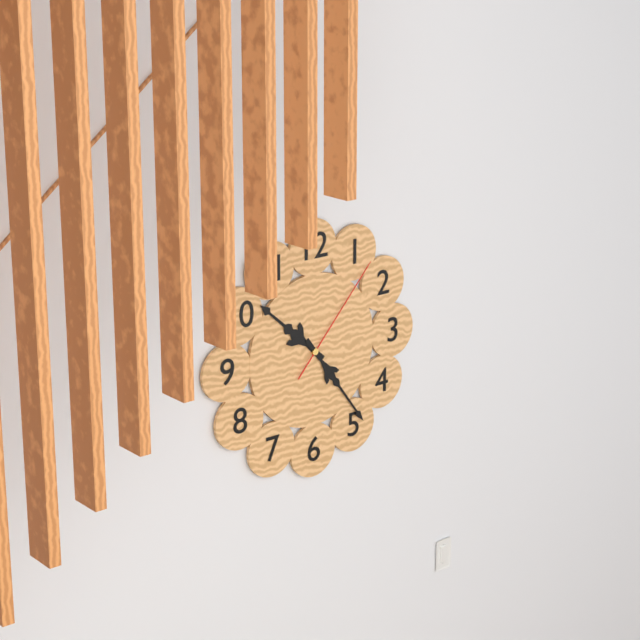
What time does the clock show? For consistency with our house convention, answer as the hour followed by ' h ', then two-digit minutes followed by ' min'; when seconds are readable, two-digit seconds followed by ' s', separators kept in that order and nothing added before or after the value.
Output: 10 h 24 min 07 s
